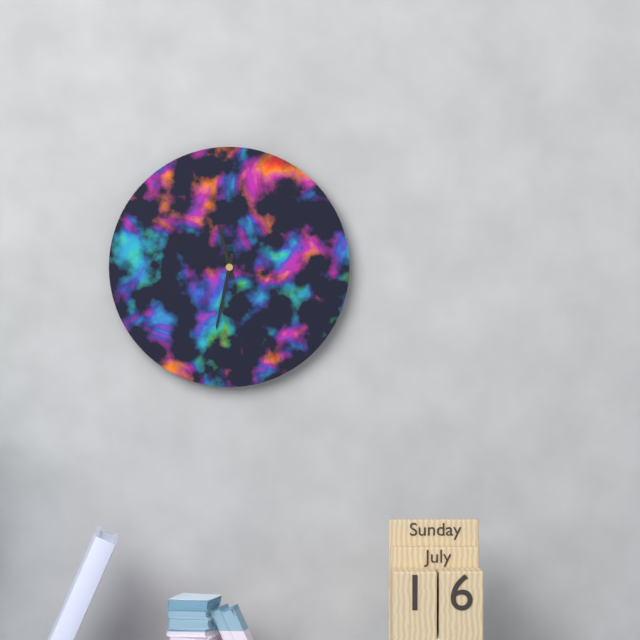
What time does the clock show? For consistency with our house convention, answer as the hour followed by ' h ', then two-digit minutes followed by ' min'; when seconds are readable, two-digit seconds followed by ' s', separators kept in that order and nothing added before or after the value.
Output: 11 h 32 min
